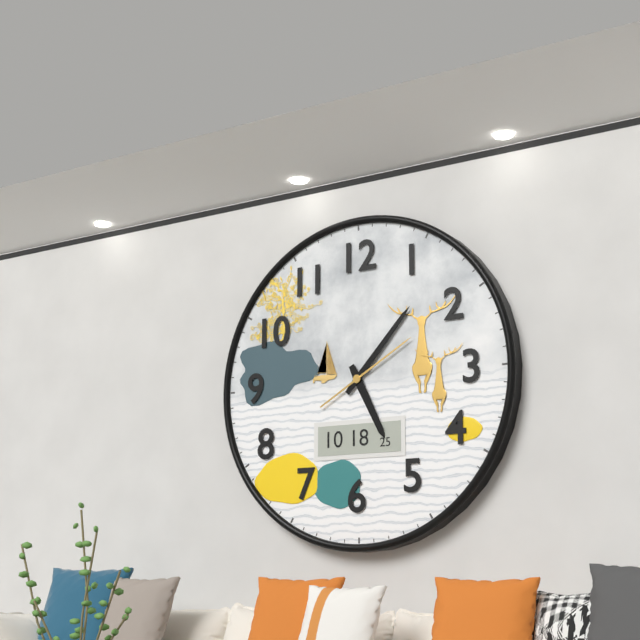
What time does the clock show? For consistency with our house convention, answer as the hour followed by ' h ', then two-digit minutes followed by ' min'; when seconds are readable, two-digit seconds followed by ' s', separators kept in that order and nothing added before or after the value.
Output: 5 h 07 min 10 s
